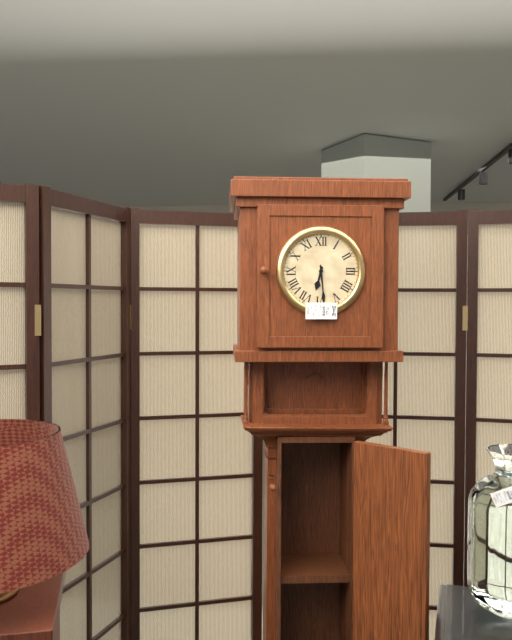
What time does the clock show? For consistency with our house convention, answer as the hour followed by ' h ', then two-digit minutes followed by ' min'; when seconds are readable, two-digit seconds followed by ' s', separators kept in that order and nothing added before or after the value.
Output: 6 h 29 min
